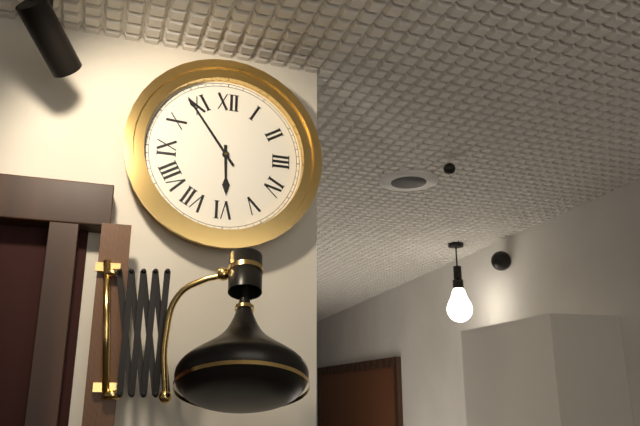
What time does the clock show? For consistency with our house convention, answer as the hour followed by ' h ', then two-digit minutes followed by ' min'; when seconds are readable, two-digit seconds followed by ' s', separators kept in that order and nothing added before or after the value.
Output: 5 h 54 min
